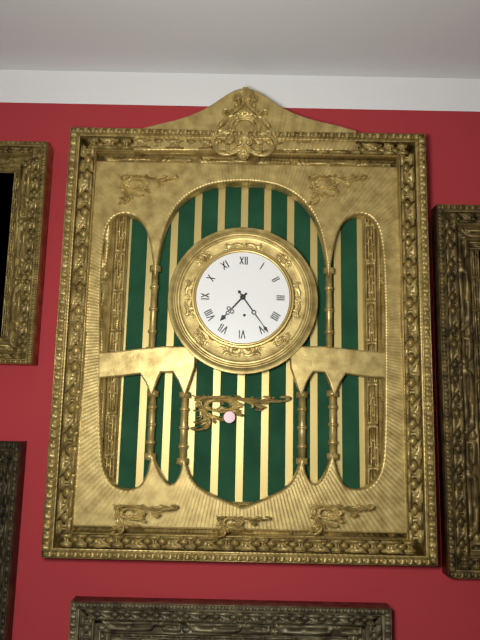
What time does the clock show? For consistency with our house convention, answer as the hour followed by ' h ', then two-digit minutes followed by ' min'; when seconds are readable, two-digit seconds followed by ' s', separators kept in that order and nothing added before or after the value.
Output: 7 h 24 min
